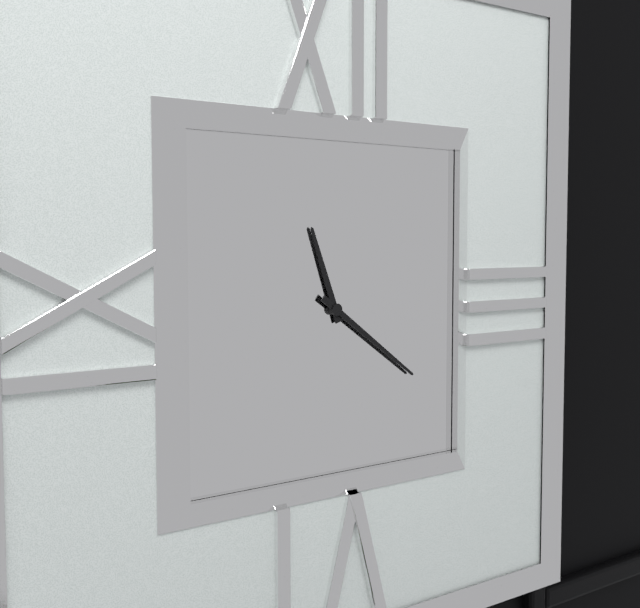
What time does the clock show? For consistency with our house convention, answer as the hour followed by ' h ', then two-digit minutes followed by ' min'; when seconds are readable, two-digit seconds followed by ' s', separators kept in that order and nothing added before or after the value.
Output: 11 h 21 min
